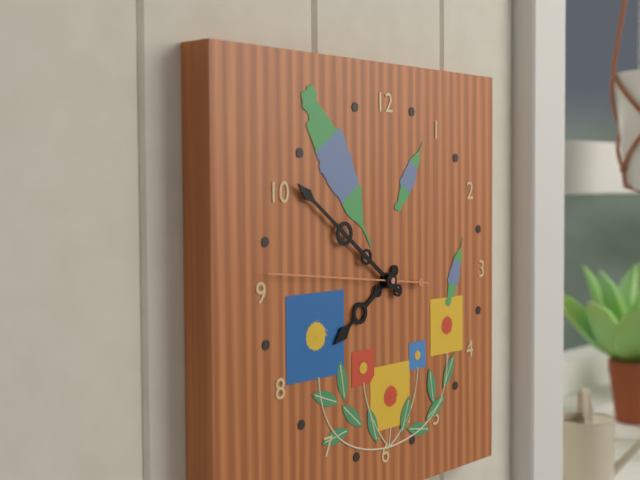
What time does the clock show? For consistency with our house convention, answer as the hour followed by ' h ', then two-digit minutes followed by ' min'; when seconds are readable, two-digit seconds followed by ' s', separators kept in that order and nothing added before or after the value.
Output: 7 h 51 min 46 s
